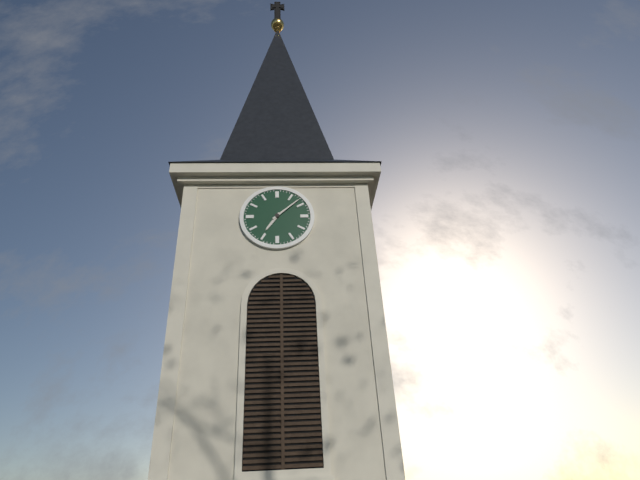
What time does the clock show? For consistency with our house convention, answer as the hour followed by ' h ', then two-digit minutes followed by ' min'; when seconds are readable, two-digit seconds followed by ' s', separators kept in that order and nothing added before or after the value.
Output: 7 h 08 min
